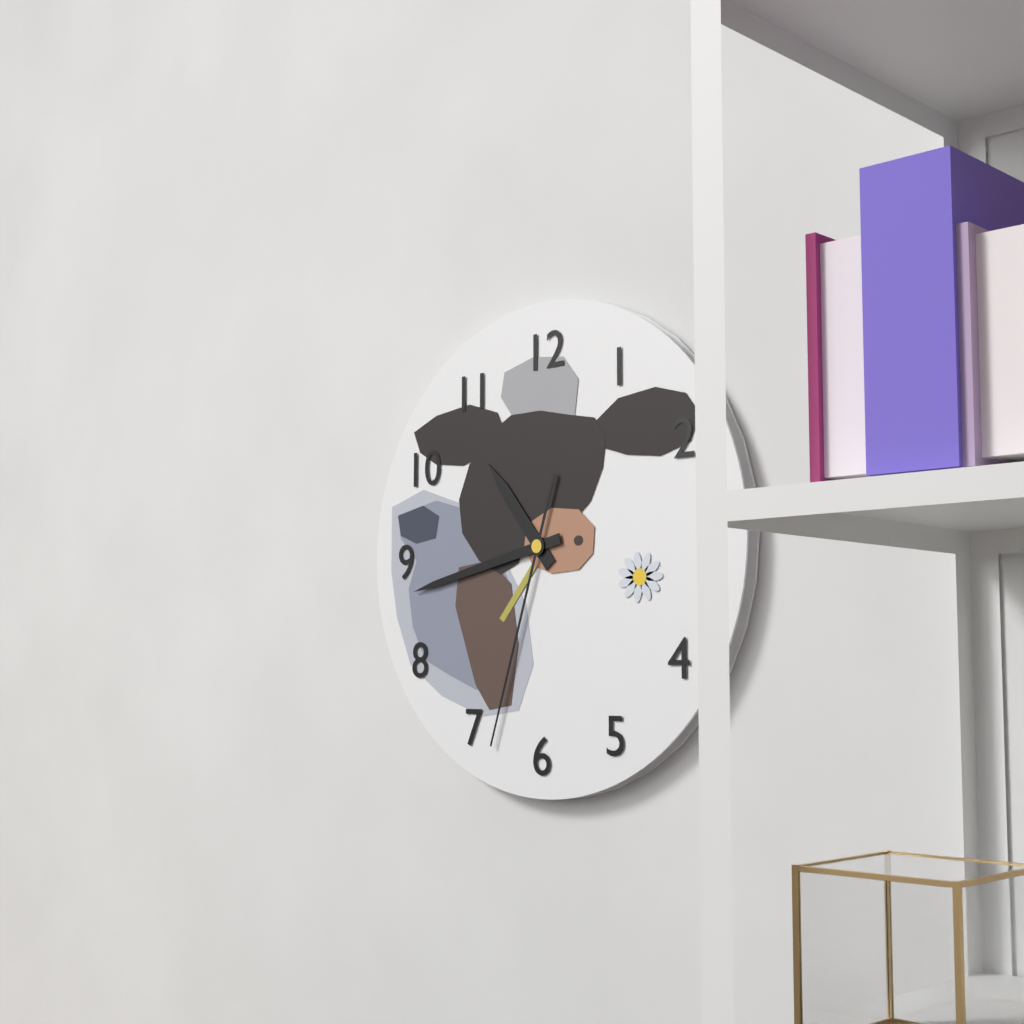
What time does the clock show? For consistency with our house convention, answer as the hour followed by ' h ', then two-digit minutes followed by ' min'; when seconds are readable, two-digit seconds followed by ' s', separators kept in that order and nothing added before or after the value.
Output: 10 h 43 min 33 s
